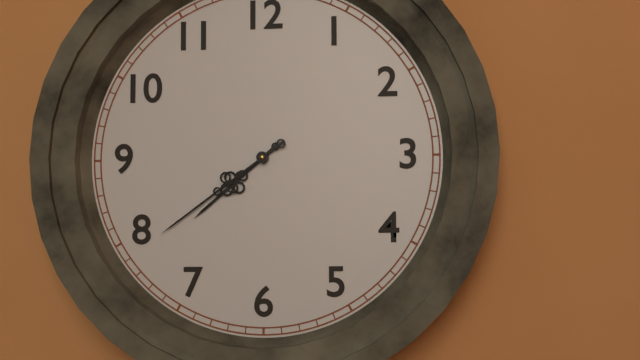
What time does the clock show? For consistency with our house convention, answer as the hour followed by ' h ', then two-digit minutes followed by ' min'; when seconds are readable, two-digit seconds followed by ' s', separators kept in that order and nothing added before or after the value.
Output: 7 h 39 min
